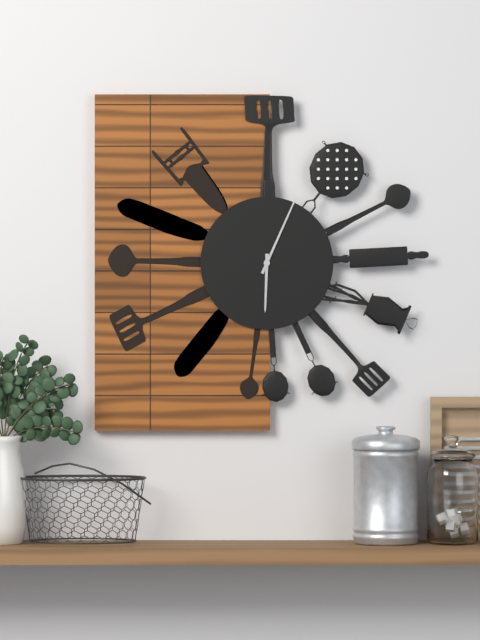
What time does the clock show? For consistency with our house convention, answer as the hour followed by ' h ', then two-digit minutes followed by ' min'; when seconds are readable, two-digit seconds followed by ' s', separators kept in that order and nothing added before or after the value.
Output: 6 h 04 min
